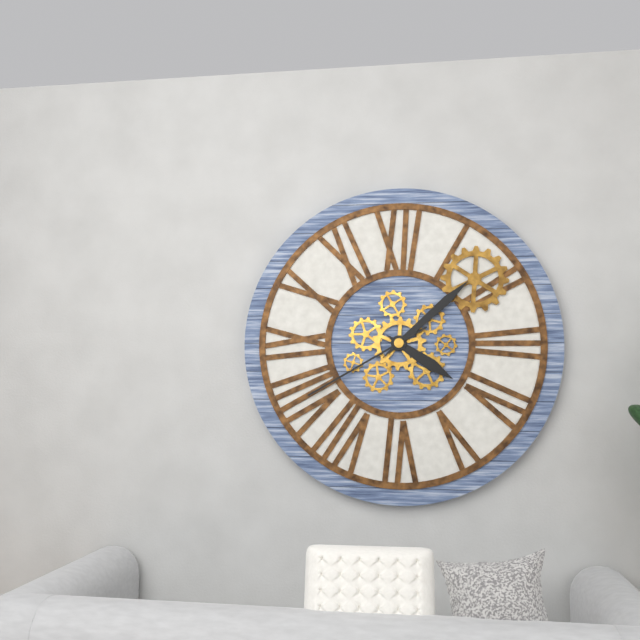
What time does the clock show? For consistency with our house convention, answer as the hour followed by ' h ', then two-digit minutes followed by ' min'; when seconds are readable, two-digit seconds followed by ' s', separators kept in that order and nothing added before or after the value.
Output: 4 h 08 min 40 s
